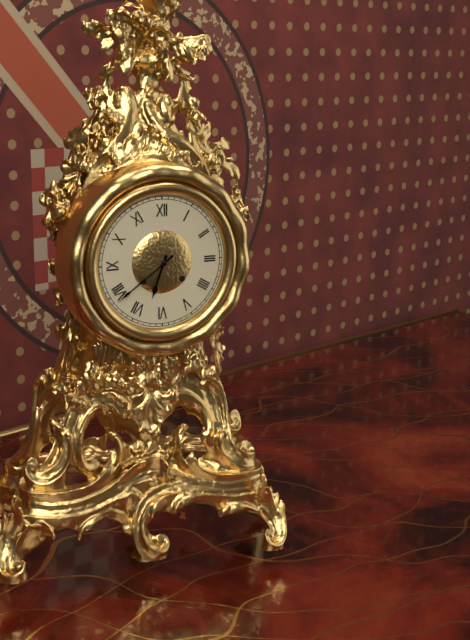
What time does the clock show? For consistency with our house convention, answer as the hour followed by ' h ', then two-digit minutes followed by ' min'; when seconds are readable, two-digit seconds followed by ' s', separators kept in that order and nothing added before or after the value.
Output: 6 h 39 min
